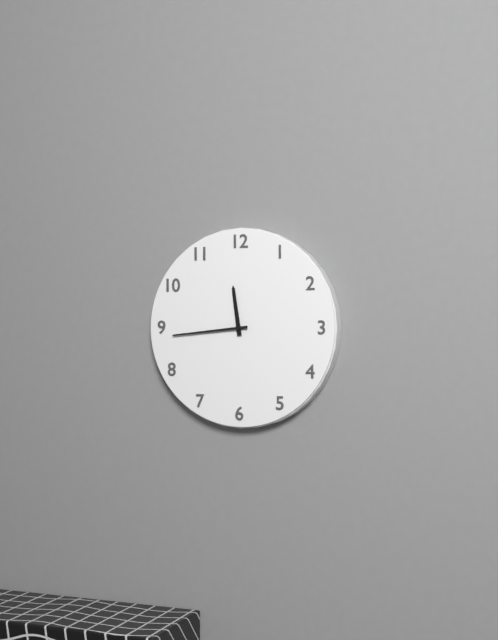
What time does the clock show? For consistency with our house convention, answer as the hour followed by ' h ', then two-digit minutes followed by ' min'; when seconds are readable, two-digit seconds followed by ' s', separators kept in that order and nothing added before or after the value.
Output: 11 h 44 min
